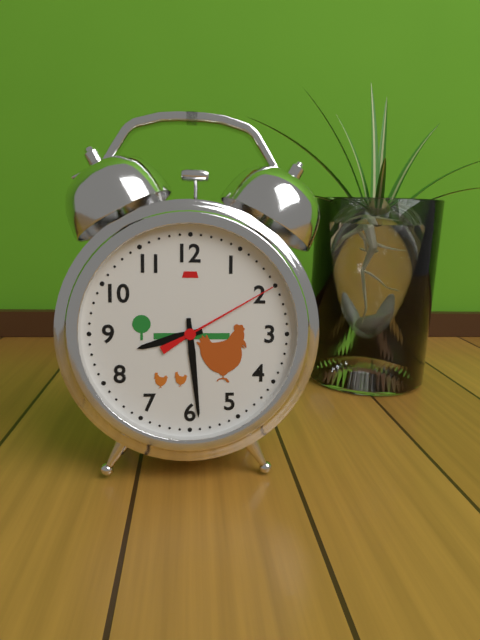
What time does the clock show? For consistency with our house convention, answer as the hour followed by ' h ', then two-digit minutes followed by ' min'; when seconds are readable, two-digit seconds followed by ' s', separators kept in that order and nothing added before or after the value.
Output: 8 h 29 min 10 s
